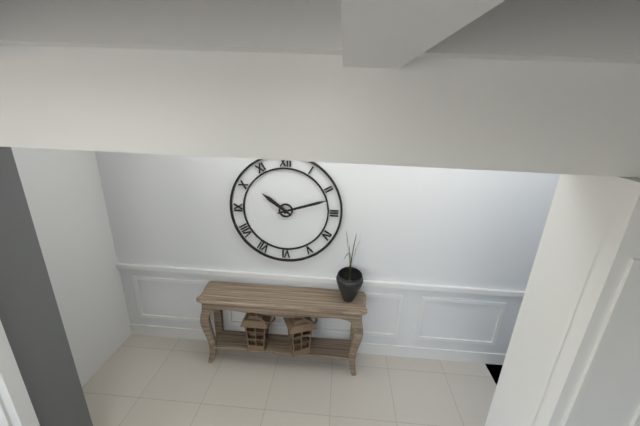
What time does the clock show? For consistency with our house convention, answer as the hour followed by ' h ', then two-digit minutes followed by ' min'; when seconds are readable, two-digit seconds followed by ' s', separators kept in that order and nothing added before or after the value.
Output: 10 h 12 min
